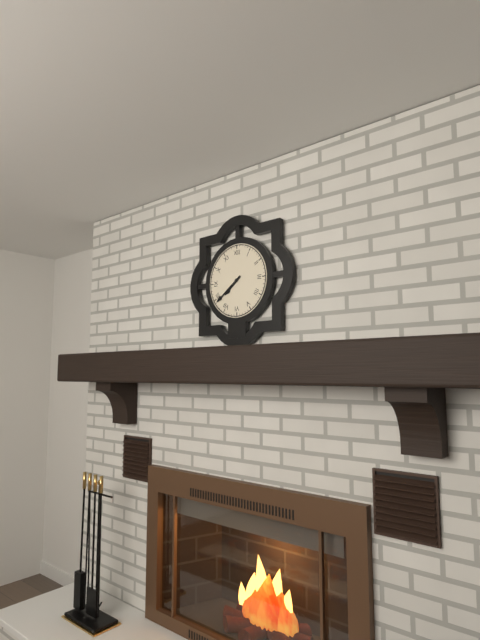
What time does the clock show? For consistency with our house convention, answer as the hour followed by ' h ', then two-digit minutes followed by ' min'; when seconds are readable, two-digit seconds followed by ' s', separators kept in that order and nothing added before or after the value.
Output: 7 h 39 min
